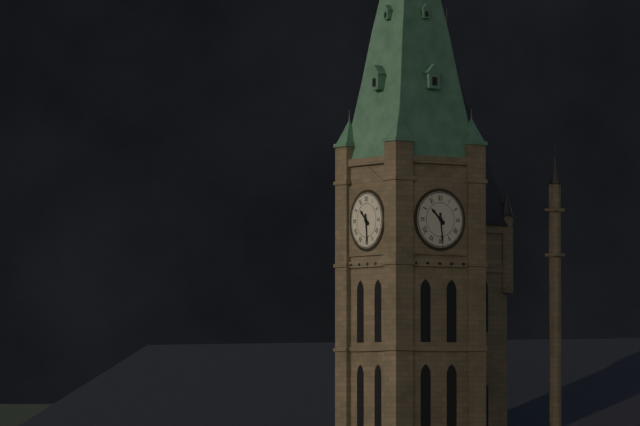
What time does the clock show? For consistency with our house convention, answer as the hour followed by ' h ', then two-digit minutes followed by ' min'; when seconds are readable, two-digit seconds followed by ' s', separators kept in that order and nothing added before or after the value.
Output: 10 h 29 min
